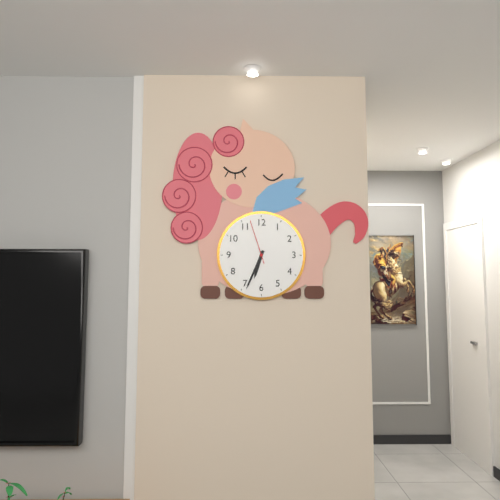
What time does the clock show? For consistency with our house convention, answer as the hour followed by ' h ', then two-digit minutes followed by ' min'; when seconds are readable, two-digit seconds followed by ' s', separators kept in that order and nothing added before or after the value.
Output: 6 h 34 min
